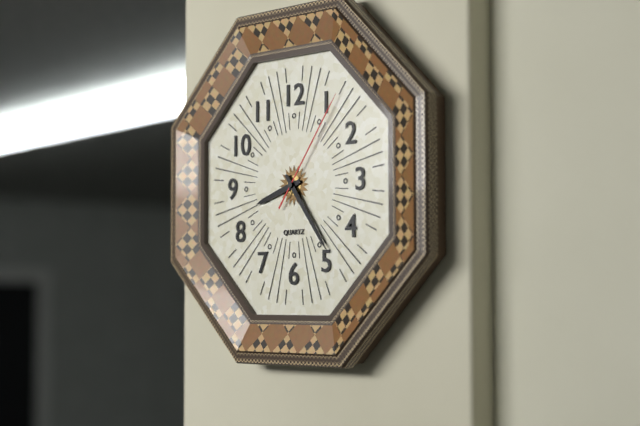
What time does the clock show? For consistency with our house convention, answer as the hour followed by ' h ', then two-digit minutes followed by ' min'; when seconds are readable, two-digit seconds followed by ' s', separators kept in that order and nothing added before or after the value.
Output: 8 h 24 min 06 s
